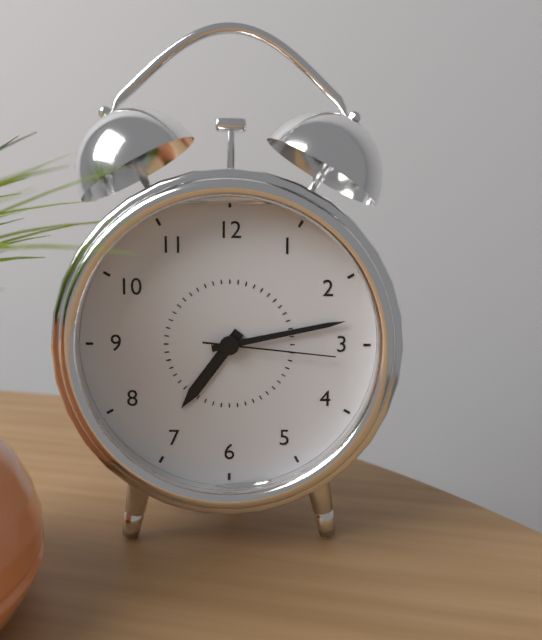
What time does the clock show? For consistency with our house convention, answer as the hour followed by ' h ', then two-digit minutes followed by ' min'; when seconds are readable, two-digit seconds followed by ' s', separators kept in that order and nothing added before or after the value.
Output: 7 h 13 min 16 s
